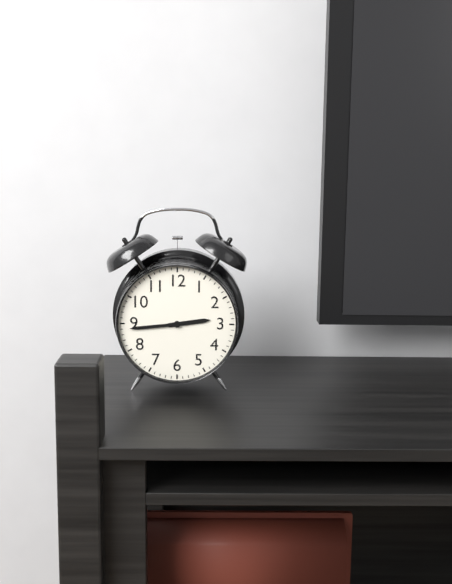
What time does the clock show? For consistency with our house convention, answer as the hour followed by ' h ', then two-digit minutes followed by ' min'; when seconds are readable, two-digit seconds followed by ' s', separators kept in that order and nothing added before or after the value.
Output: 2 h 44 min
